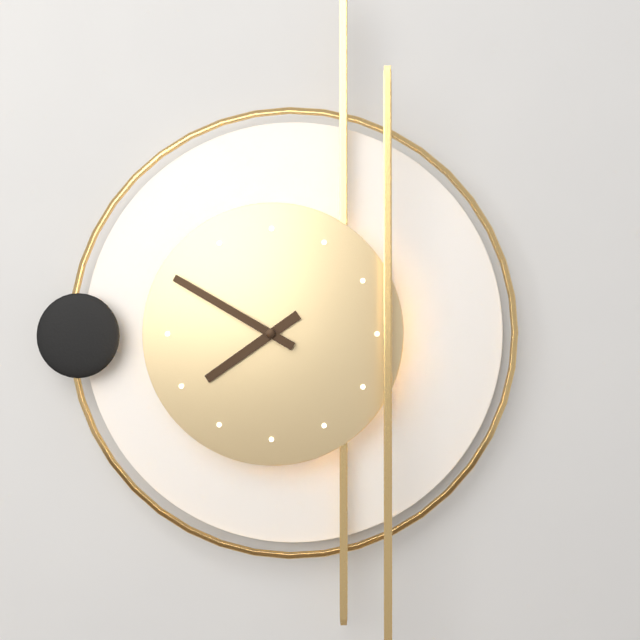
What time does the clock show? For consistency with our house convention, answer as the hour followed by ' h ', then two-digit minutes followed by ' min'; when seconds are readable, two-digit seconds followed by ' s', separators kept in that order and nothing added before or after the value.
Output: 7 h 50 min
